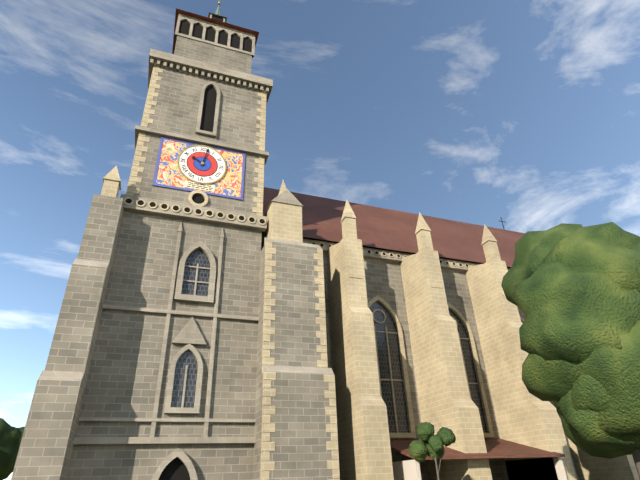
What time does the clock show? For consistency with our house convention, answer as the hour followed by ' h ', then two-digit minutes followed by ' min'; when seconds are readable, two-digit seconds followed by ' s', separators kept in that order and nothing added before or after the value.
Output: 10 h 02 min
